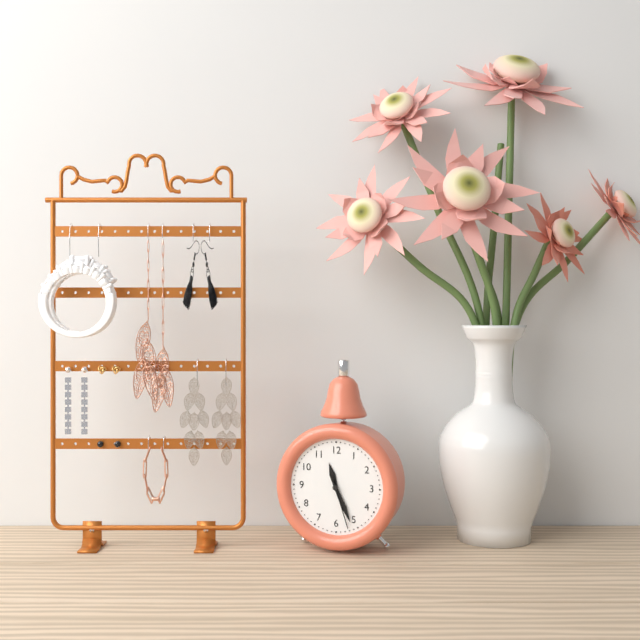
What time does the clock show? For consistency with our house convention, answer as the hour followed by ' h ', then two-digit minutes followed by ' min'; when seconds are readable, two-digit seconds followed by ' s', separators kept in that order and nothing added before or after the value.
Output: 11 h 26 min 27 s
